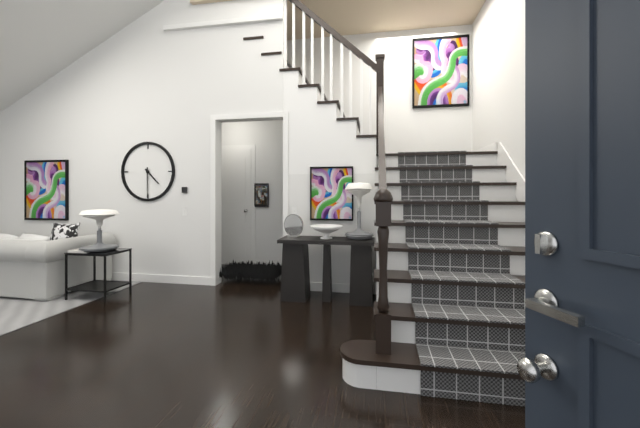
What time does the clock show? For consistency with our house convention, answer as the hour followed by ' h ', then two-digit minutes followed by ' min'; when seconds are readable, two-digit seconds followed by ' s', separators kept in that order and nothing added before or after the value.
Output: 4 h 30 min
